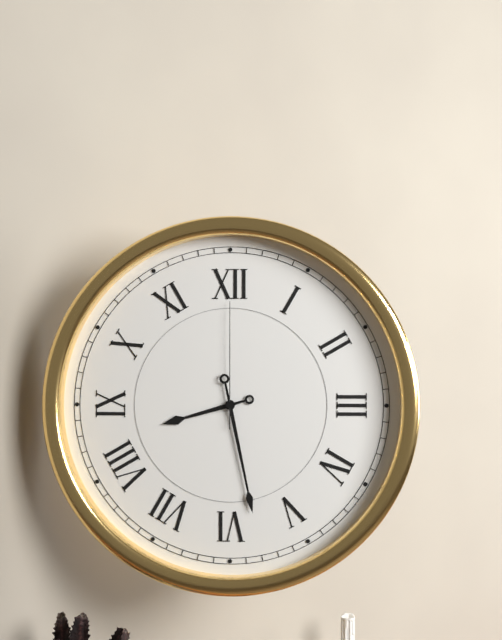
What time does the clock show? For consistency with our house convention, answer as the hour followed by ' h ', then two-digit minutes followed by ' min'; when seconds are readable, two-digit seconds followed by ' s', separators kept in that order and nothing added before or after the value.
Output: 8 h 28 min 00 s
